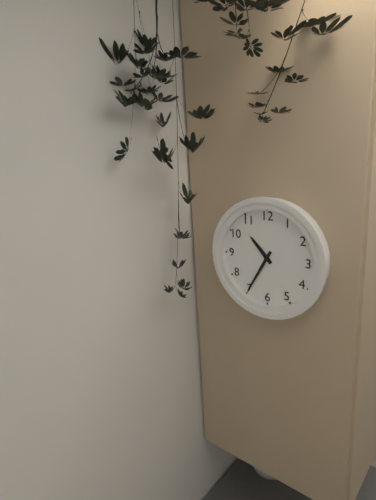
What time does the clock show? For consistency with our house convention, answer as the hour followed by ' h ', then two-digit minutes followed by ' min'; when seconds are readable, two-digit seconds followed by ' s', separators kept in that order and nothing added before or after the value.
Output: 10 h 35 min
